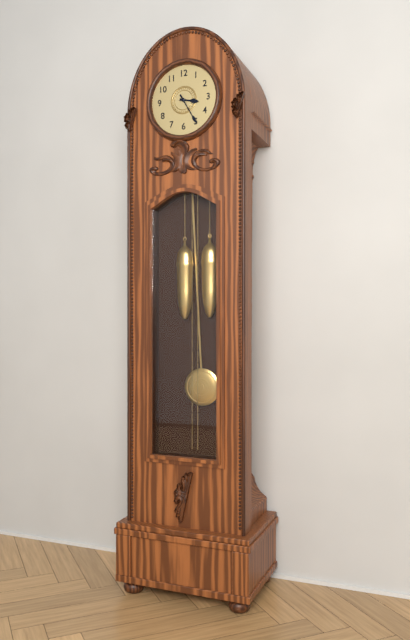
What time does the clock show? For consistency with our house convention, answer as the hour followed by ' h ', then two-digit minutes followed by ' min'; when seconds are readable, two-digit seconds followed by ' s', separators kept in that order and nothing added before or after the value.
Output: 3 h 25 min
